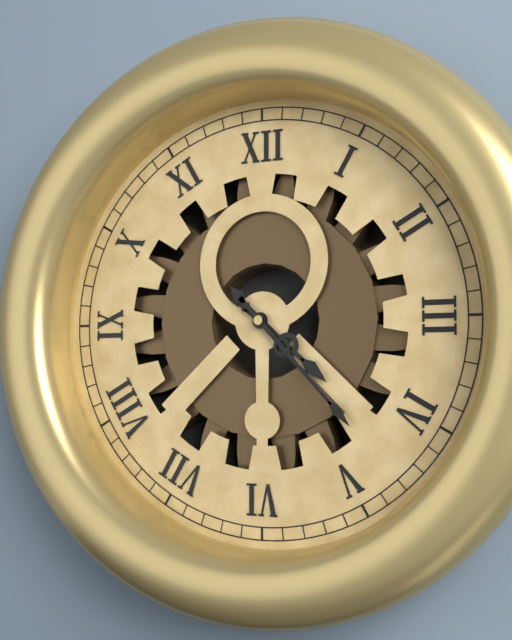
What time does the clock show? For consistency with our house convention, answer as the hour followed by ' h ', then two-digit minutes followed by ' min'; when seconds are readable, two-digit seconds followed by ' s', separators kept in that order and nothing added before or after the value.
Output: 4 h 23 min
